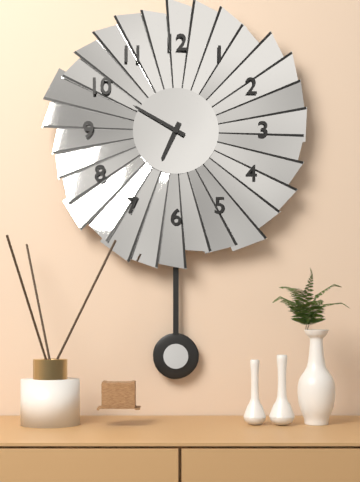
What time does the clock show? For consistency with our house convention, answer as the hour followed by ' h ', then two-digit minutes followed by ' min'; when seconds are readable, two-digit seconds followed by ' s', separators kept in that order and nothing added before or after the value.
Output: 6 h 50 min
